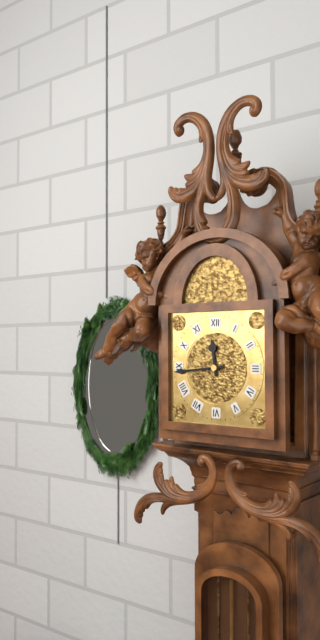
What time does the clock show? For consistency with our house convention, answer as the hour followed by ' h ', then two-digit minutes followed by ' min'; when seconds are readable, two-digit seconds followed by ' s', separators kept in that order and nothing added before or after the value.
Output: 11 h 44 min
